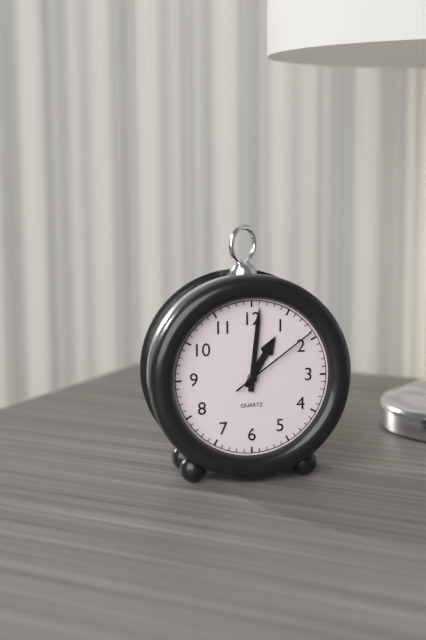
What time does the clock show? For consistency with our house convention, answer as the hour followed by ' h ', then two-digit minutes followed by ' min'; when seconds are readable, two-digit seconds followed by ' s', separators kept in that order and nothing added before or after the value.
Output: 1 h 01 min 09 s
